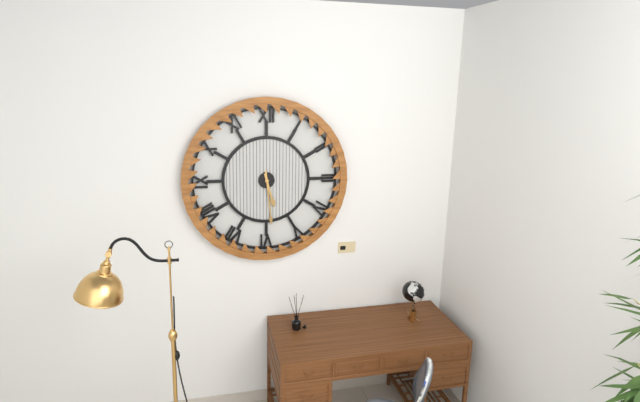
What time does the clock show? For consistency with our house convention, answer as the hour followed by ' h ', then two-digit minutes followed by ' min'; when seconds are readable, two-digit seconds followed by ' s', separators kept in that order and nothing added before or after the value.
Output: 5 h 29 min
